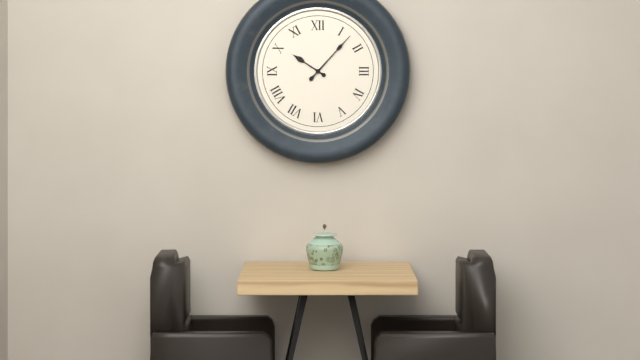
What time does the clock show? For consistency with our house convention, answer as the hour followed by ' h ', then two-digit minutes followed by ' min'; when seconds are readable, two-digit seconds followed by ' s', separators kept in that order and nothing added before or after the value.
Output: 10 h 07 min
